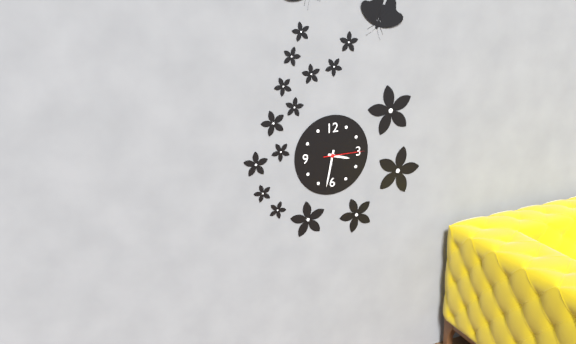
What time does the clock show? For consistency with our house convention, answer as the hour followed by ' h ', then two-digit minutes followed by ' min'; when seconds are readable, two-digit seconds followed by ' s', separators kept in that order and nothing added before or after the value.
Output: 3 h 32 min
